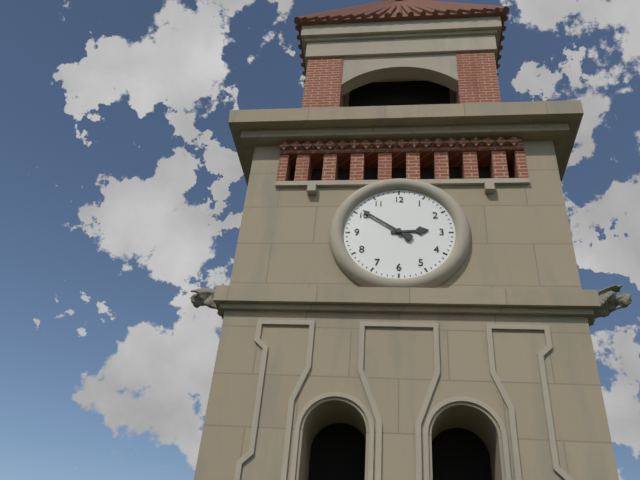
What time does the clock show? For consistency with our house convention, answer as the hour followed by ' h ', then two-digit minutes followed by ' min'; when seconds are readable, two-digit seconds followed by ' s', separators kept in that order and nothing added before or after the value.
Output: 2 h 51 min
